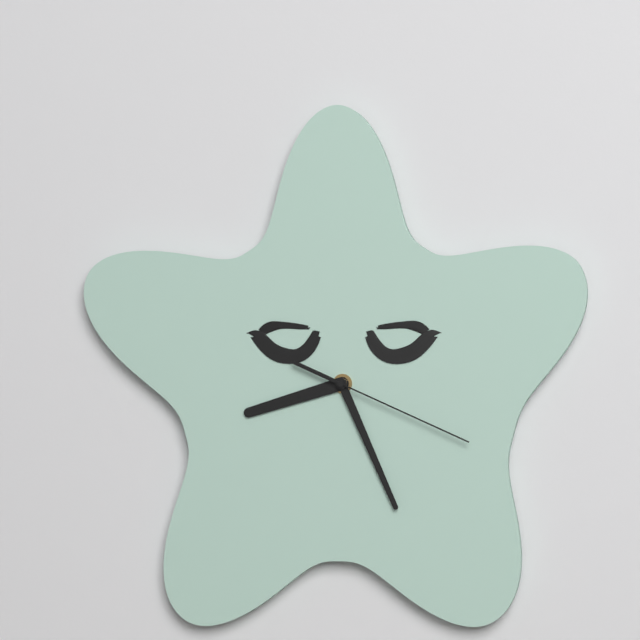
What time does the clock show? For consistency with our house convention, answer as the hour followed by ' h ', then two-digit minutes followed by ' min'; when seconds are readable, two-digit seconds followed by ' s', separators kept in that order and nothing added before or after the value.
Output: 8 h 26 min 19 s
